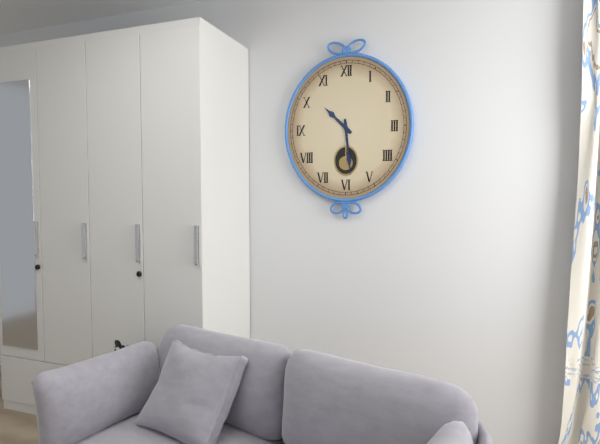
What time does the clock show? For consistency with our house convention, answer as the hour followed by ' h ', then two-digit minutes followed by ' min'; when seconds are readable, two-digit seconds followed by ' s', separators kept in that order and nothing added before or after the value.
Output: 10 h 29 min
